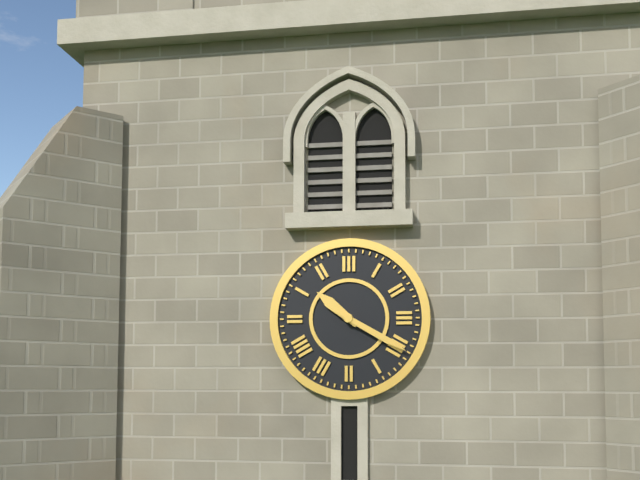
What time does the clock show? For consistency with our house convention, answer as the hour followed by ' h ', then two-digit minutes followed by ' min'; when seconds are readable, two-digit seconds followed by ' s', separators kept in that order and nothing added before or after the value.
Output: 10 h 20 min
